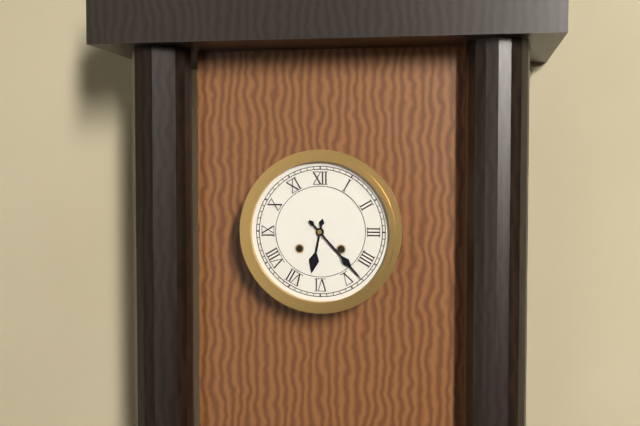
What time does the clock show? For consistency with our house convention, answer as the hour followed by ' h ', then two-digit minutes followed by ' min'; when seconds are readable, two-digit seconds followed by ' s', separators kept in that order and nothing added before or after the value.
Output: 6 h 23 min
